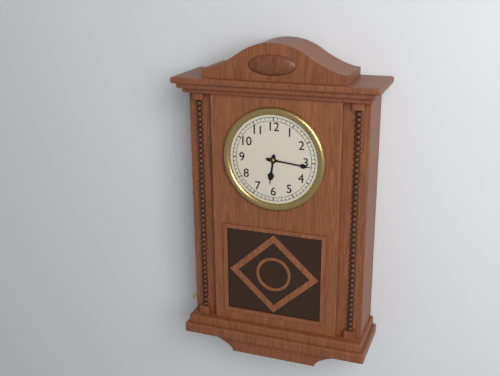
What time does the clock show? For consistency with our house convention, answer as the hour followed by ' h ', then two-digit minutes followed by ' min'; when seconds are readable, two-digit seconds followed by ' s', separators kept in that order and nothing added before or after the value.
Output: 6 h 16 min
